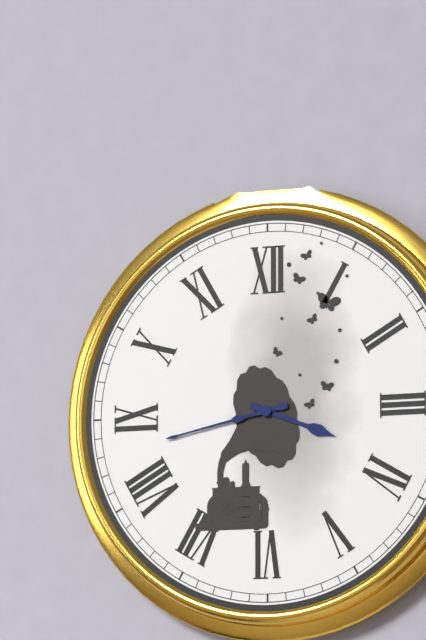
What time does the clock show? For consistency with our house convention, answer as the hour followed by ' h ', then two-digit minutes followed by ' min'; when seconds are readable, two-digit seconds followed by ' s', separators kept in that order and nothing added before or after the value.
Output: 3 h 43 min
